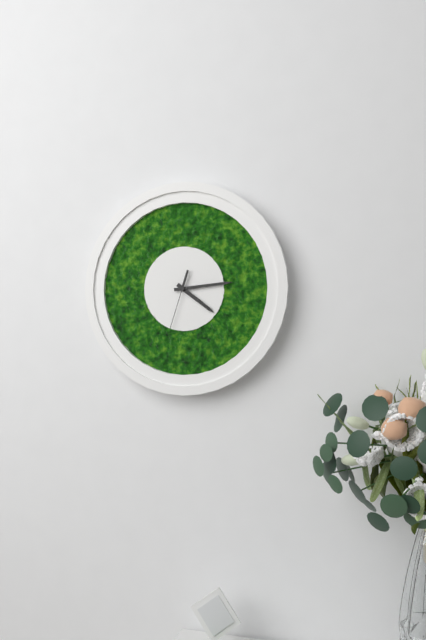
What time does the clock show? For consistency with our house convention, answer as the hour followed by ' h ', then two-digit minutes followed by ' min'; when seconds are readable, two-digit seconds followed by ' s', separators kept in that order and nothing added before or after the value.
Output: 4 h 14 min 33 s
